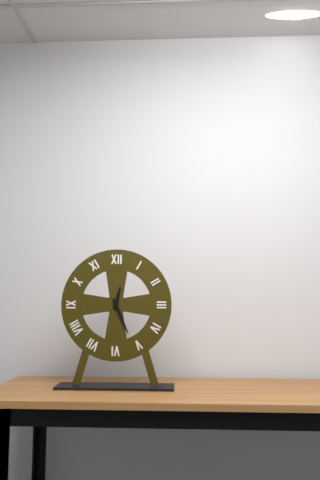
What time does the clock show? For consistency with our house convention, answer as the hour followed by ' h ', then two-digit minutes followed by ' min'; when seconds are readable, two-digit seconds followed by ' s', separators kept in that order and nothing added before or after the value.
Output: 12 h 26 min
